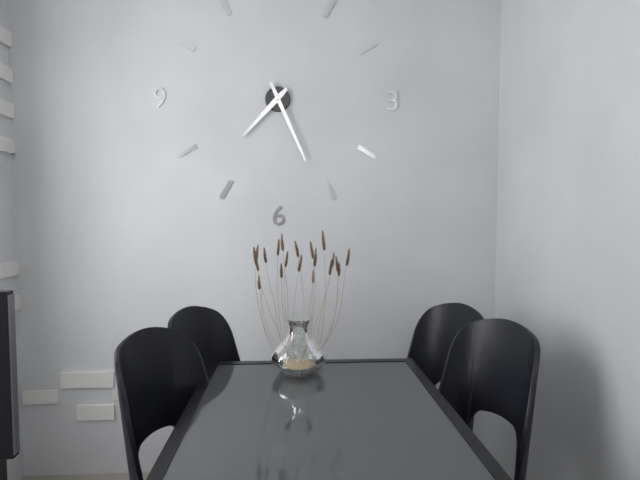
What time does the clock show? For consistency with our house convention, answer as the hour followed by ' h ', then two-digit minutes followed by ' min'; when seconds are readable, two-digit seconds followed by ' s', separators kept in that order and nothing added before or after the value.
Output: 7 h 26 min
